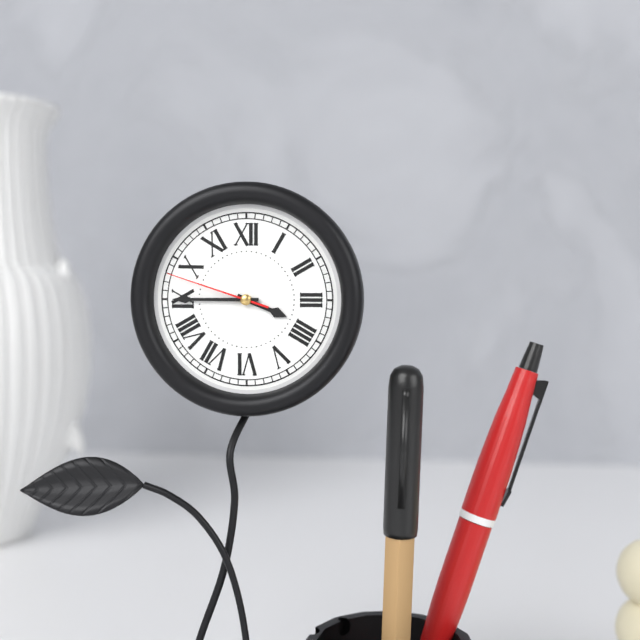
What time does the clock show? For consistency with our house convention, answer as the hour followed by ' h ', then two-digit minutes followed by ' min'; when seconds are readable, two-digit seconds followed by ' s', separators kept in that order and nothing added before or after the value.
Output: 3 h 45 min 48 s
